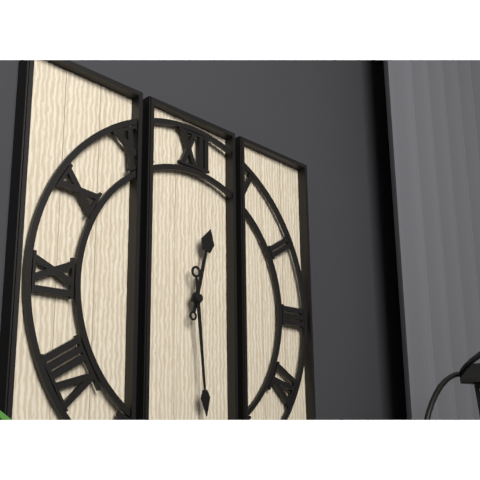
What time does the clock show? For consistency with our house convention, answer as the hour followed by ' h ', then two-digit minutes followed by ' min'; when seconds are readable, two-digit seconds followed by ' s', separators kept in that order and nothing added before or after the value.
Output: 12 h 29 min
